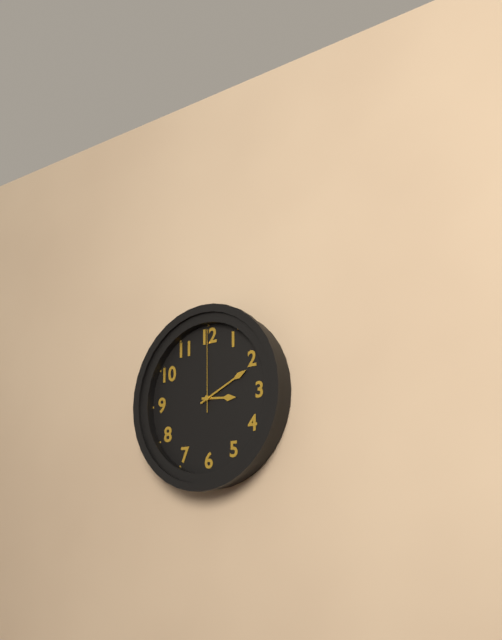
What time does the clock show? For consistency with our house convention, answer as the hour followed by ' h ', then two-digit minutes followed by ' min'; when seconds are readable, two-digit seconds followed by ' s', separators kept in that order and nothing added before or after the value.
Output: 3 h 11 min 00 s
